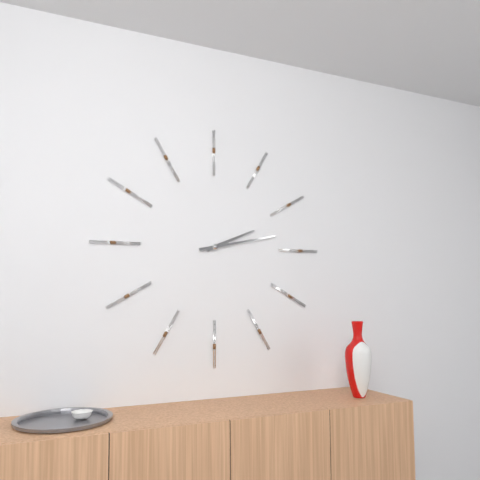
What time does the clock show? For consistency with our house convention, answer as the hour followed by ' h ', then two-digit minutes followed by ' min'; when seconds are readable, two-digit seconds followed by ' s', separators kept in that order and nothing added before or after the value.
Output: 2 h 13 min
